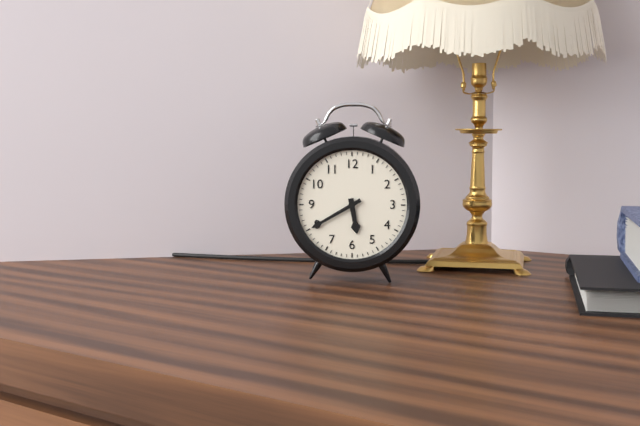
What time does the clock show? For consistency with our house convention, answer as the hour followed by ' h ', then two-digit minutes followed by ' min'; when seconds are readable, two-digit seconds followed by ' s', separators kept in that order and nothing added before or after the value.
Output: 5 h 40 min
